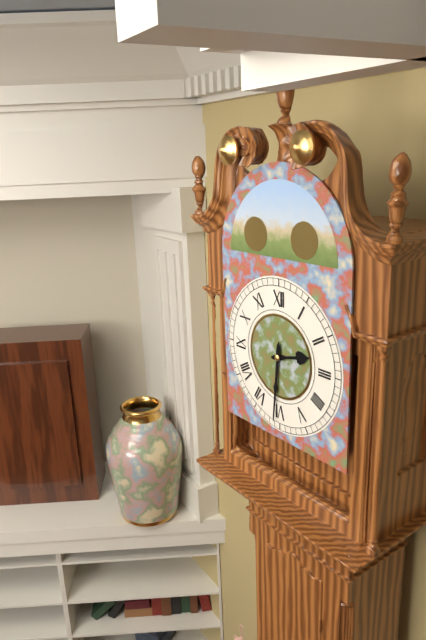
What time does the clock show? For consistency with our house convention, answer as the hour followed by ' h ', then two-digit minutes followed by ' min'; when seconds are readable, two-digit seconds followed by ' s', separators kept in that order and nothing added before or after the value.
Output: 2 h 31 min
